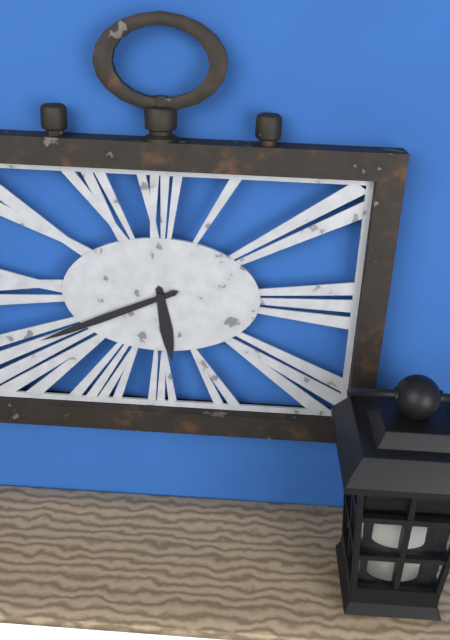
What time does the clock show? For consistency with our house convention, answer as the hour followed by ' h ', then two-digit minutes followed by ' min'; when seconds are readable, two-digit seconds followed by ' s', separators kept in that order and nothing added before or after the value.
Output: 5 h 41 min
